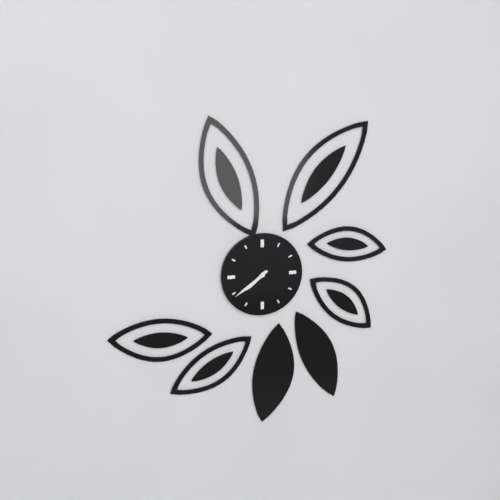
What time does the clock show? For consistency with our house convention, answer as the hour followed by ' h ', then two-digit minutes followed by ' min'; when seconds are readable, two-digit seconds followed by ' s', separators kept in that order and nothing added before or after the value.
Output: 7 h 39 min
